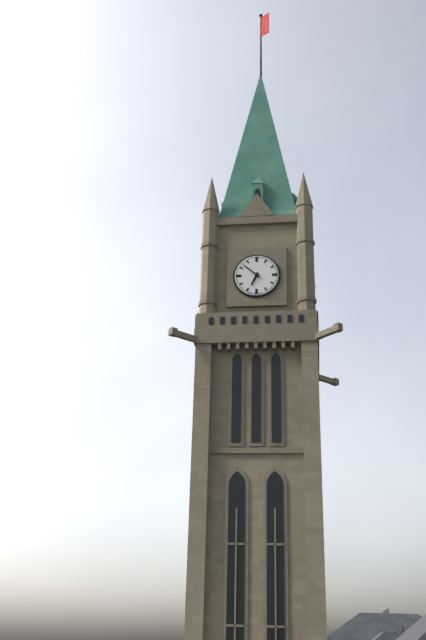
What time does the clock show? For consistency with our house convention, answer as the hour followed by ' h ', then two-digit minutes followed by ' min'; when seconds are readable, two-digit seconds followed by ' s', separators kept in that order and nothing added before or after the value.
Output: 6 h 52 min
